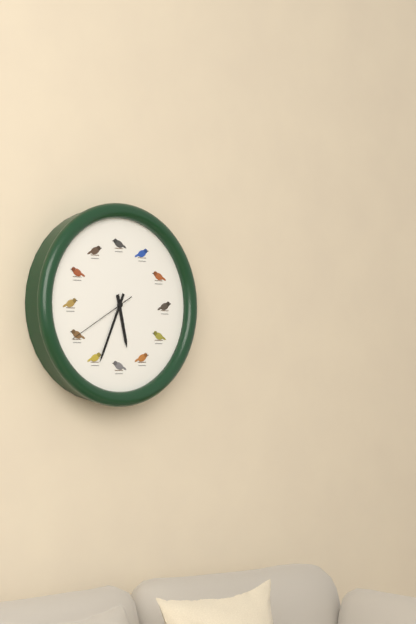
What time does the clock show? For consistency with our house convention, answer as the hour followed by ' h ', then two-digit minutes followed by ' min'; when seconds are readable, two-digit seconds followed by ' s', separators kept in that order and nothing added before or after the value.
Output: 5 h 34 min 40 s
